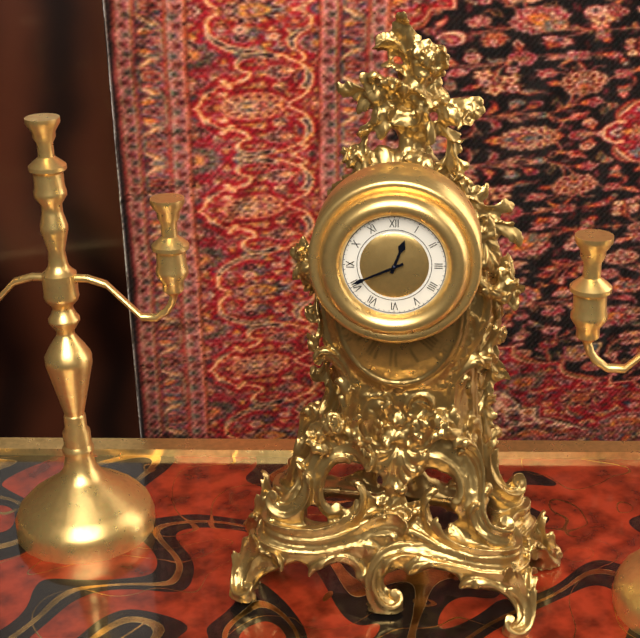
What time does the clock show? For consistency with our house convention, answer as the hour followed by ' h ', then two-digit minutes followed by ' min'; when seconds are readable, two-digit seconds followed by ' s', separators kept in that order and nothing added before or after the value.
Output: 12 h 41 min
